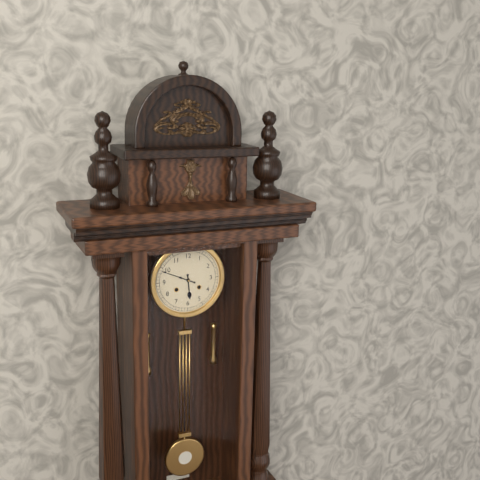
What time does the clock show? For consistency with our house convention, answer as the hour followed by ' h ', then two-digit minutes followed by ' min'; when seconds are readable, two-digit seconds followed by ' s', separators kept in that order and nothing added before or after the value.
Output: 5 h 49 min
